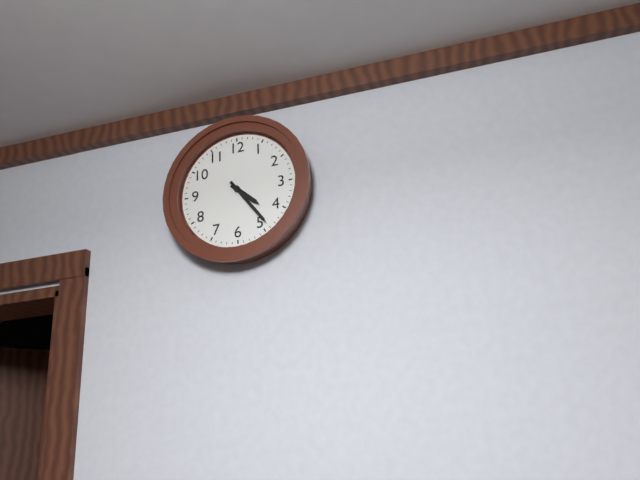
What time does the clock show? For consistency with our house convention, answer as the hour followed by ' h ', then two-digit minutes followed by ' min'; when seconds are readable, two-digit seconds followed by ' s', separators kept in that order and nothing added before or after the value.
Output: 4 h 24 min
